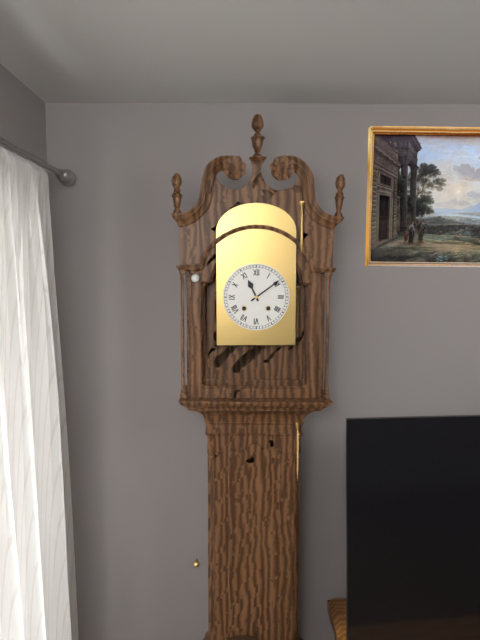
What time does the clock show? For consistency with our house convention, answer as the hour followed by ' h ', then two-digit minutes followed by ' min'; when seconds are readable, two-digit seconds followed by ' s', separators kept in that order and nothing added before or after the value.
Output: 11 h 09 min
